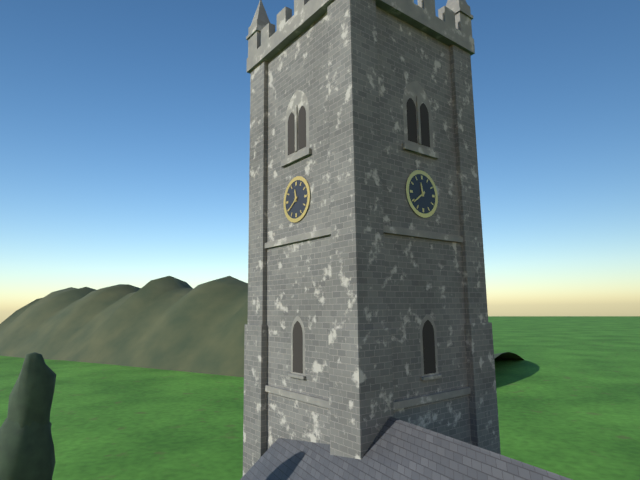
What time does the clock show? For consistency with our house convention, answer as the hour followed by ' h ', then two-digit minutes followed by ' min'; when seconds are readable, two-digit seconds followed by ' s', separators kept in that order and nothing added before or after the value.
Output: 11 h 39 min
